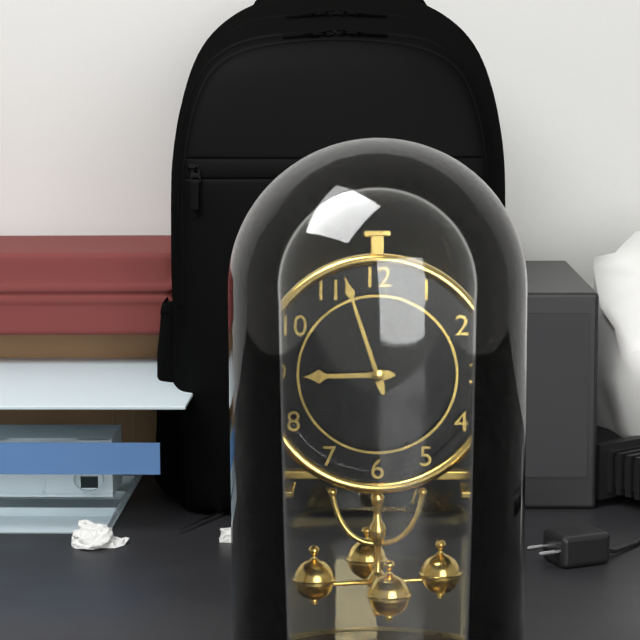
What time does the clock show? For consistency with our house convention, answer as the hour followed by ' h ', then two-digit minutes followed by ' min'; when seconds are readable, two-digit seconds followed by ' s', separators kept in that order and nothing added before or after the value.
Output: 8 h 57 min
